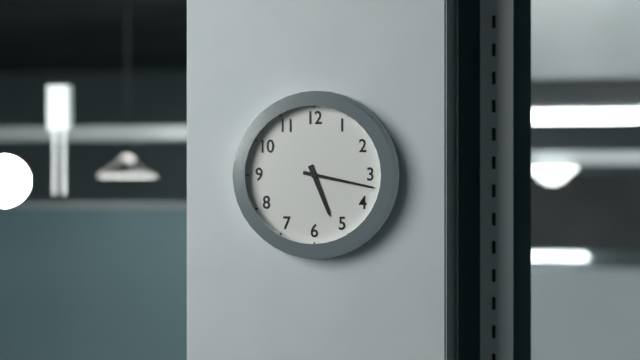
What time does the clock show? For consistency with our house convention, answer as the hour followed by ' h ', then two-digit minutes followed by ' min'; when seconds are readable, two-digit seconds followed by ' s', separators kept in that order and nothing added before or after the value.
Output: 5 h 17 min
